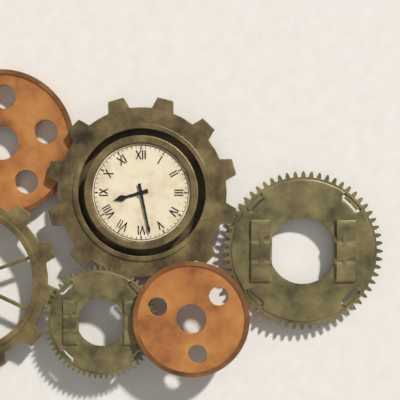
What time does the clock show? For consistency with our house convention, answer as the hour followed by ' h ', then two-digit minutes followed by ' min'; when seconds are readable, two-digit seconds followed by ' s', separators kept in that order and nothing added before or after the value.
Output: 8 h 28 min
